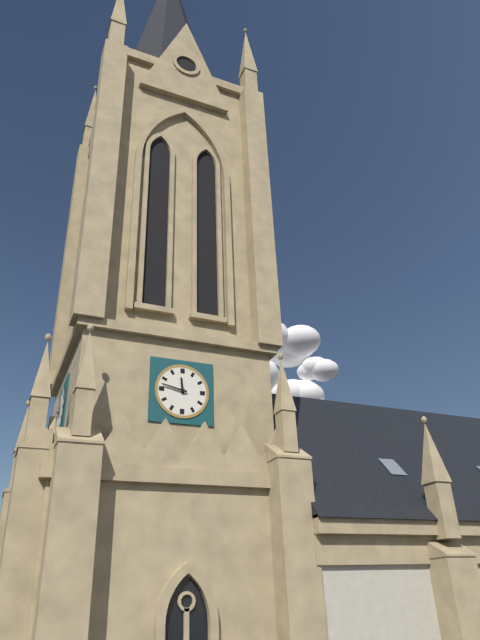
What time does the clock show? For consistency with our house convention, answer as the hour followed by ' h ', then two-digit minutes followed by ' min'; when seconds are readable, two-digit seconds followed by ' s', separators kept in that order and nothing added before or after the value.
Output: 11 h 47 min
